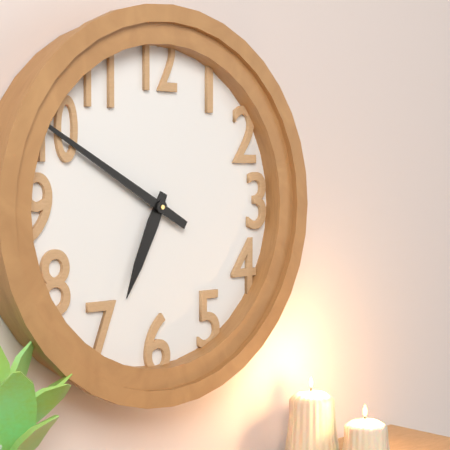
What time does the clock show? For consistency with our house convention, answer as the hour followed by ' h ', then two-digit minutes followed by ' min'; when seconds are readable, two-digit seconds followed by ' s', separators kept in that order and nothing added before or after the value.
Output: 6 h 50 min
